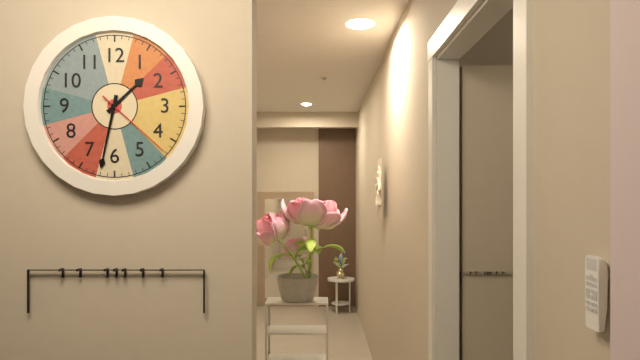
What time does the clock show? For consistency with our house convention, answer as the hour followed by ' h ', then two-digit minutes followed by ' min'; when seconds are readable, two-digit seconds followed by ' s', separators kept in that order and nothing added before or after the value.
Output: 1 h 32 min 22 s
